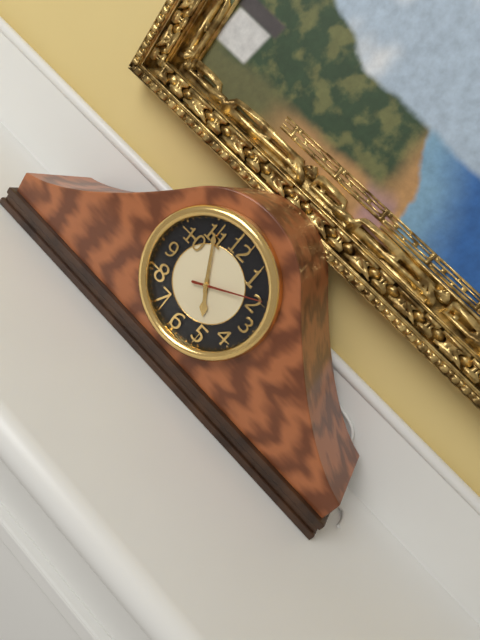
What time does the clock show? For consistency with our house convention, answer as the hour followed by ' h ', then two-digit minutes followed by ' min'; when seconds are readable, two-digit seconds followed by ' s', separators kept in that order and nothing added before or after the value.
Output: 4 h 55 min 10 s
